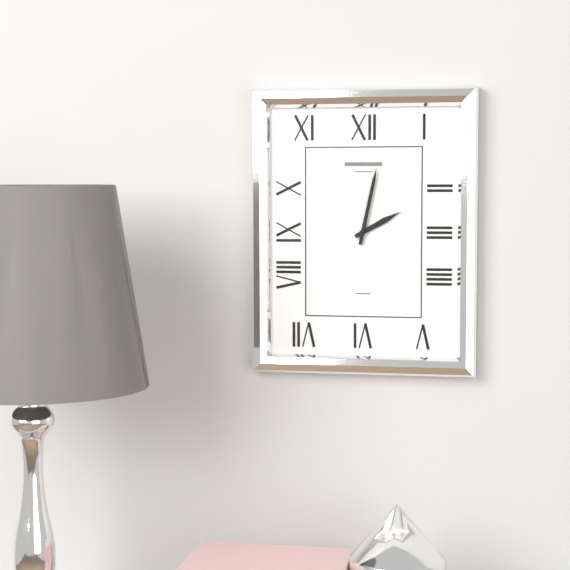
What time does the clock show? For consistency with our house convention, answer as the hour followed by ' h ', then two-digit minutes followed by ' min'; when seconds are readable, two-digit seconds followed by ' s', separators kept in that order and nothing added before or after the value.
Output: 2 h 02 min
